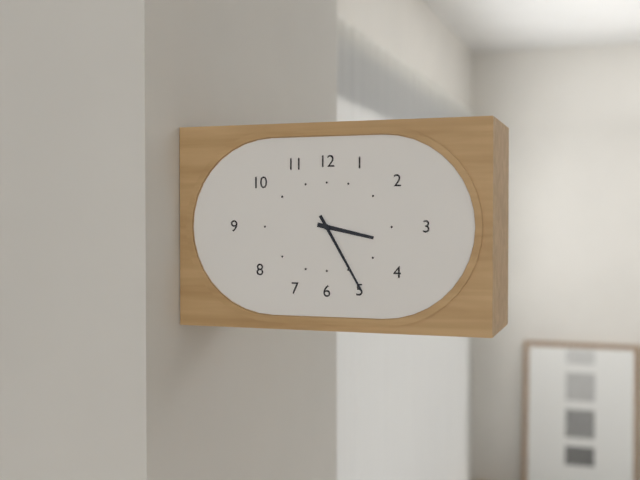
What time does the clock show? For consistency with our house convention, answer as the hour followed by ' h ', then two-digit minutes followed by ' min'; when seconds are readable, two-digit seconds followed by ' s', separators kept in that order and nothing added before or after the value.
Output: 3 h 25 min
